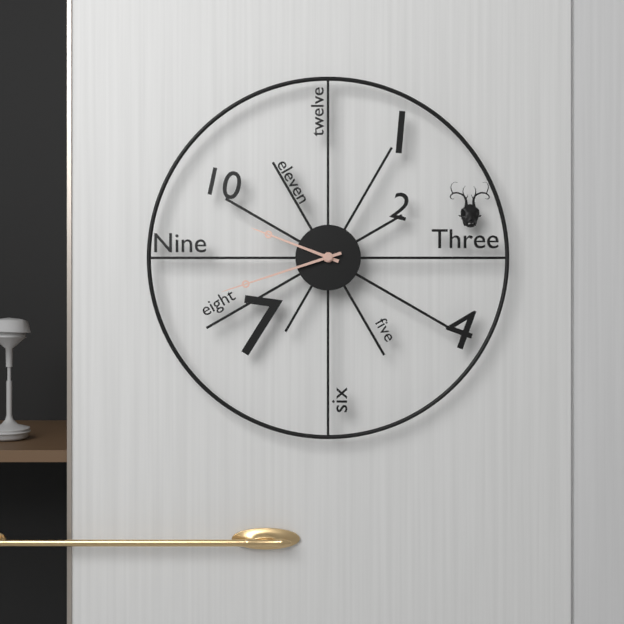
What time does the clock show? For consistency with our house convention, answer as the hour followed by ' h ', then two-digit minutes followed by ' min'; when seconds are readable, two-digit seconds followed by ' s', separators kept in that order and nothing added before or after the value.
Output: 9 h 42 min
